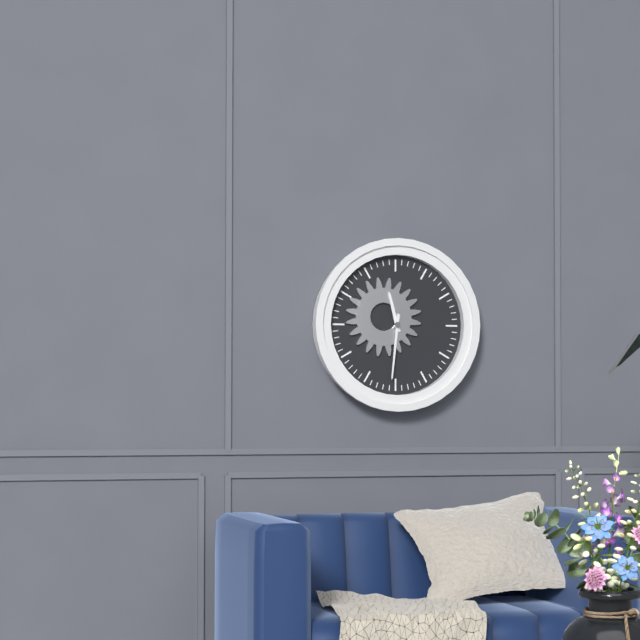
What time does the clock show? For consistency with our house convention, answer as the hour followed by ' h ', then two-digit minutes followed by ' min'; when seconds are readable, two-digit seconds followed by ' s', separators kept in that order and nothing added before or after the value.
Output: 11 h 31 min
